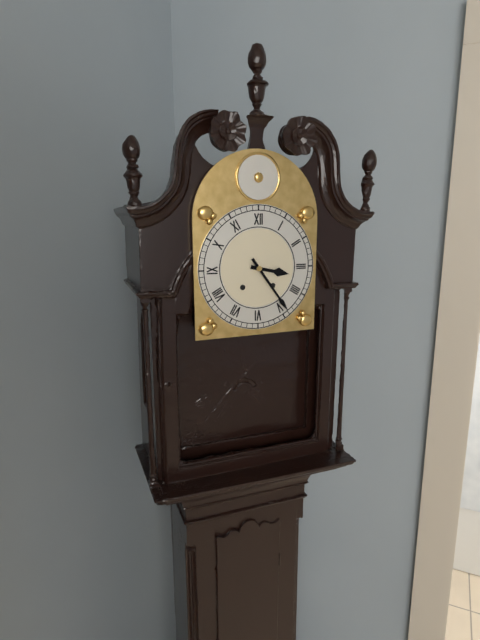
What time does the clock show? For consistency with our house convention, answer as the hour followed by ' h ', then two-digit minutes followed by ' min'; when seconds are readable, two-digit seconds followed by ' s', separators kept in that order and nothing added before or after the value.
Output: 3 h 24 min
